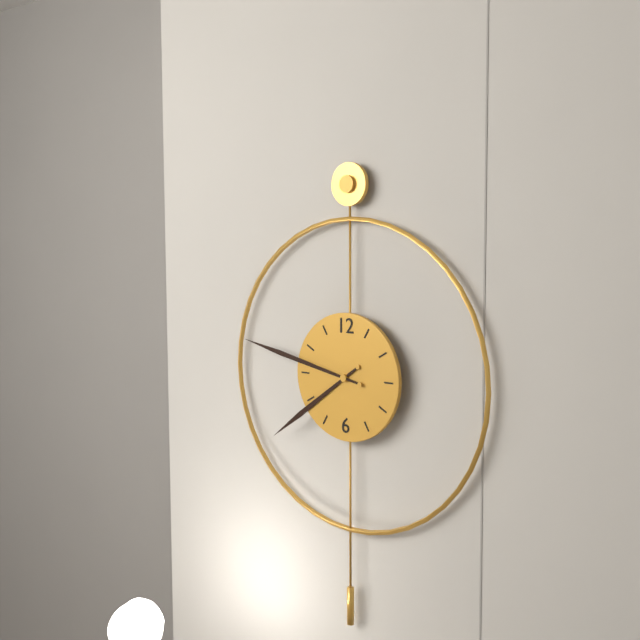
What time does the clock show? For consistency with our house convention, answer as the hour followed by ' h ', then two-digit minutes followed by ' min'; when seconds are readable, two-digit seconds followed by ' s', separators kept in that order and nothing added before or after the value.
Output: 7 h 47 min
